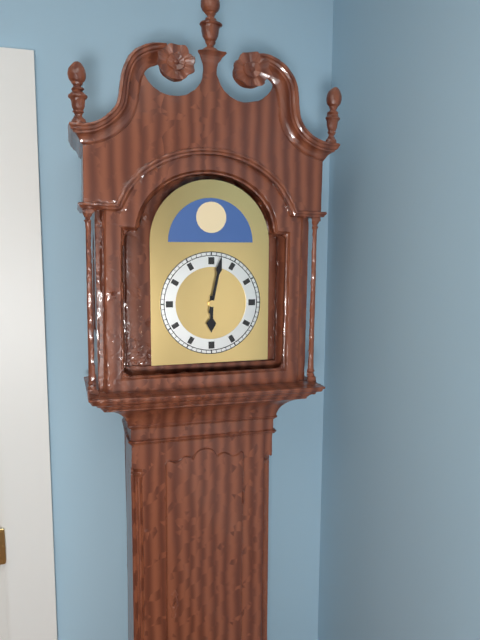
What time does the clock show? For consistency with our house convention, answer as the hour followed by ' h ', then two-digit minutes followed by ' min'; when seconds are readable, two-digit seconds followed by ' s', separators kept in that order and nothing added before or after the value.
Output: 6 h 02 min
